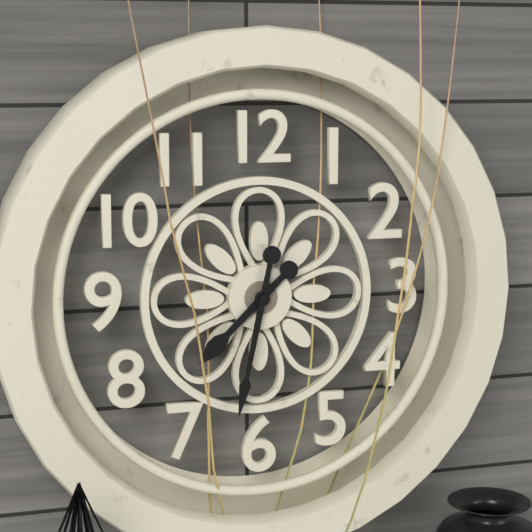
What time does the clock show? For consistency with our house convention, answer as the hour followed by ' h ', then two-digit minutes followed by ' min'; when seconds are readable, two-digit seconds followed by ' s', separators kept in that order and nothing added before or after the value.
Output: 7 h 32 min
